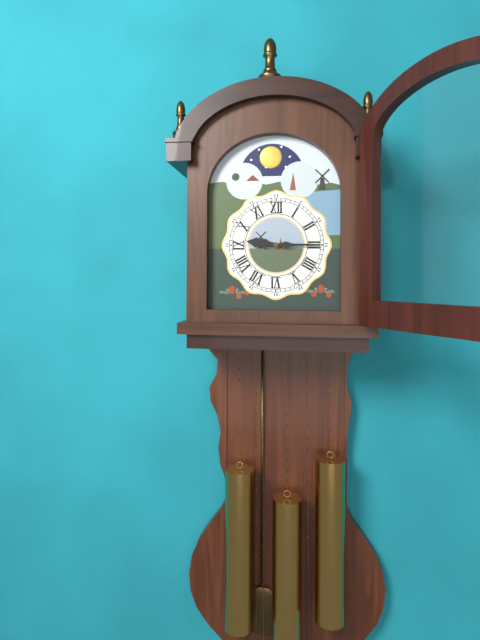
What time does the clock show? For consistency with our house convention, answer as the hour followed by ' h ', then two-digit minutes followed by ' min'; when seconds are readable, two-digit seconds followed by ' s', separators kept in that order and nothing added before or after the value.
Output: 9 h 15 min
